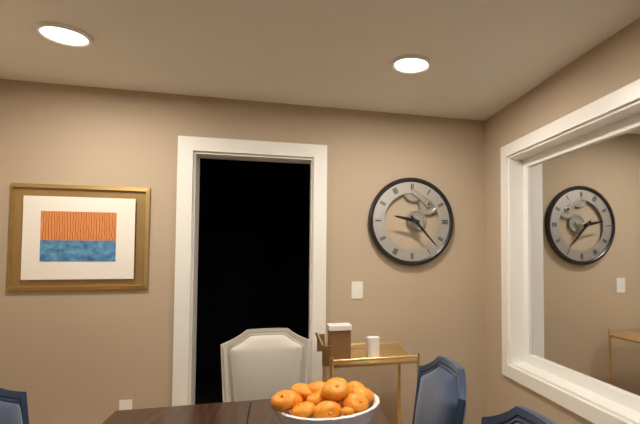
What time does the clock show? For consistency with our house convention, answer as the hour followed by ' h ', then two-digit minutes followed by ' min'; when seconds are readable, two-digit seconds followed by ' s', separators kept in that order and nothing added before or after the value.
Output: 9 h 23 min
